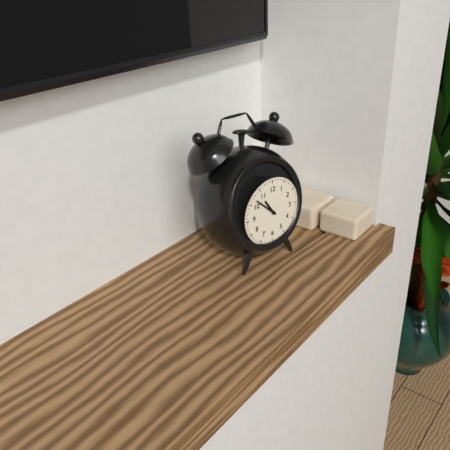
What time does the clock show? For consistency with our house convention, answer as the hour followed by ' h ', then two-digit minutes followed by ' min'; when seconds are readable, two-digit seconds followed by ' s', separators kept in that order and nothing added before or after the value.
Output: 10 h 52 min
